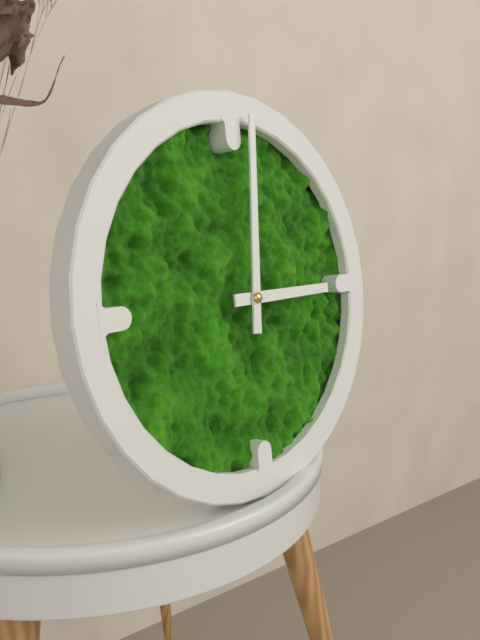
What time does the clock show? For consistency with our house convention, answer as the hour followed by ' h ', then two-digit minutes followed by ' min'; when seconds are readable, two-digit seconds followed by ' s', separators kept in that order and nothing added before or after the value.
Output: 3 h 01 min
